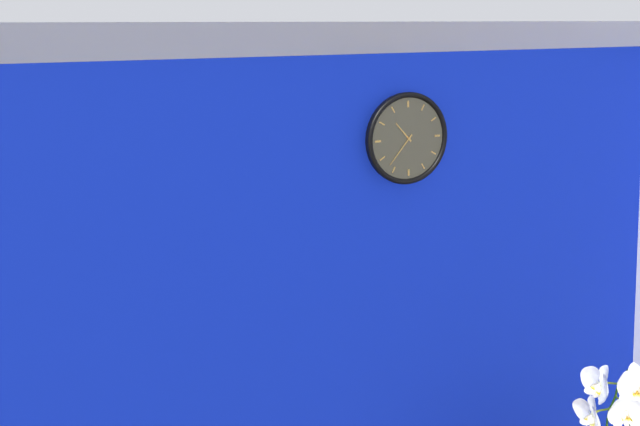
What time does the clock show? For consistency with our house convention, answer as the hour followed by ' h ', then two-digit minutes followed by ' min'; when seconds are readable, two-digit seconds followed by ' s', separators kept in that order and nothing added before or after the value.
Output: 10 h 37 min
